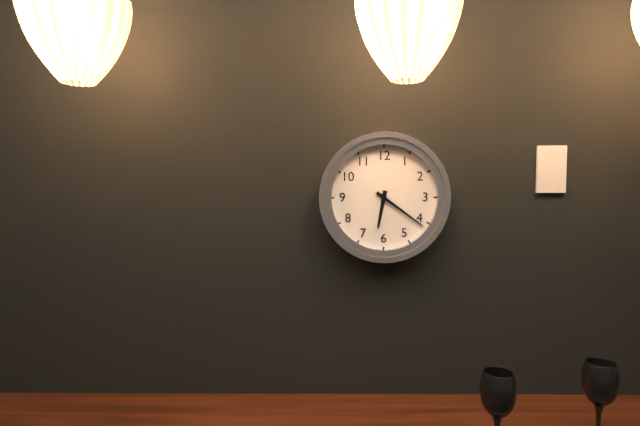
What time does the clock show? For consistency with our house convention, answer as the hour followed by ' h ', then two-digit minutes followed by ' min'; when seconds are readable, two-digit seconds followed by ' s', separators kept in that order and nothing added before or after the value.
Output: 6 h 21 min
